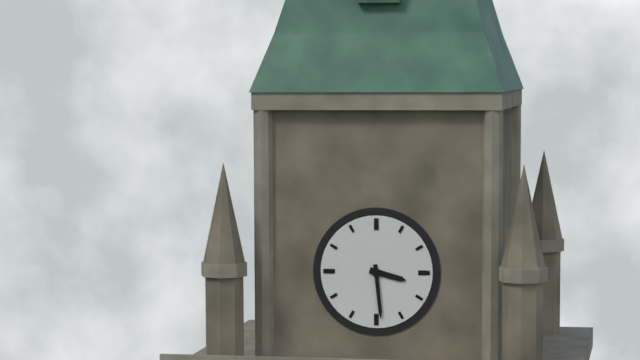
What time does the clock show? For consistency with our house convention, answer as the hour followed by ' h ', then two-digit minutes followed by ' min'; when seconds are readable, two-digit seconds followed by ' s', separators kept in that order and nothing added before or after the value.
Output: 3 h 29 min
